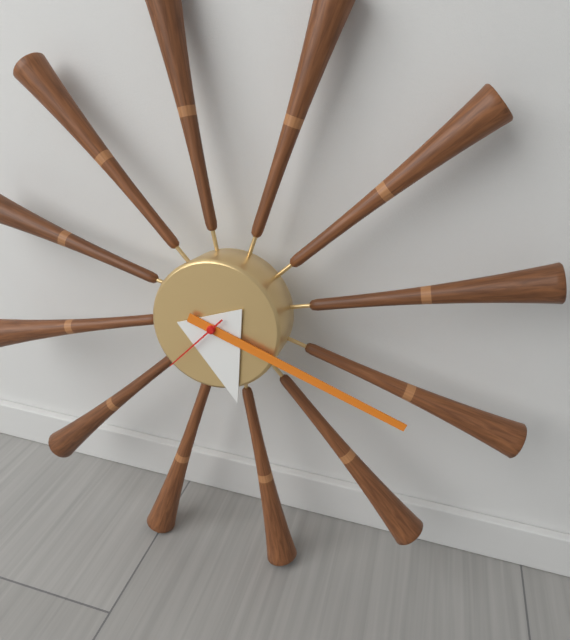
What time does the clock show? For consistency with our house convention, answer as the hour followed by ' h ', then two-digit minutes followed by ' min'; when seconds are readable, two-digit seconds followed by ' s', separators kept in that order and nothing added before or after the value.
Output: 5 h 18 min 37 s
